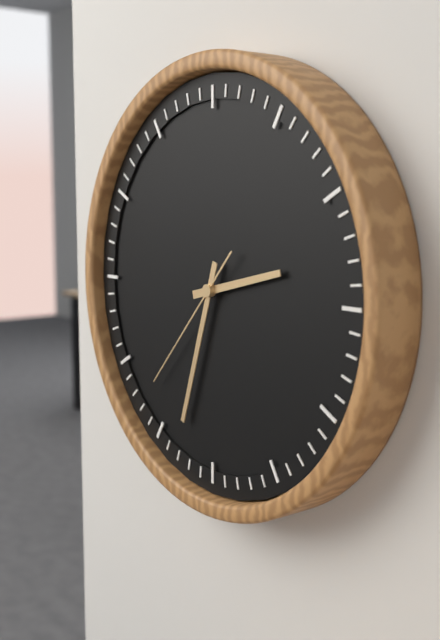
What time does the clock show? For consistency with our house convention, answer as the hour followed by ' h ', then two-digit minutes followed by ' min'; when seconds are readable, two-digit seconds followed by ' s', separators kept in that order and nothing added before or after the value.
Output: 2 h 33 min 37 s
